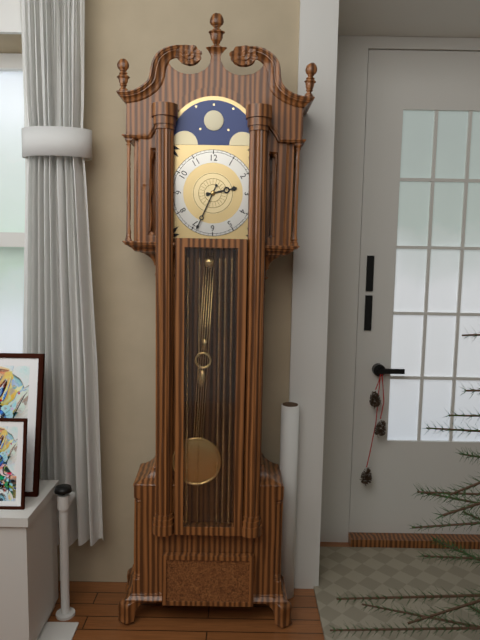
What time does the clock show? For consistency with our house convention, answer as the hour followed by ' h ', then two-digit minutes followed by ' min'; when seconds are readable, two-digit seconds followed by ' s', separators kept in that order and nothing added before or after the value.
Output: 2 h 34 min
